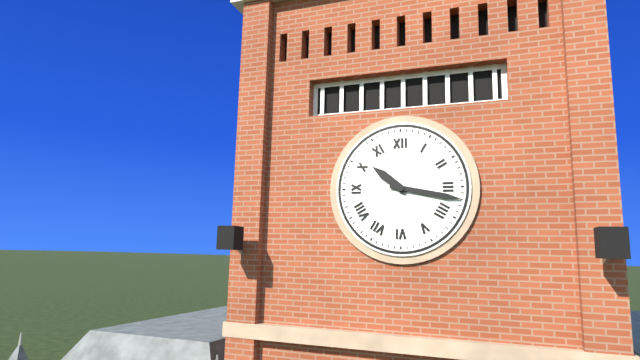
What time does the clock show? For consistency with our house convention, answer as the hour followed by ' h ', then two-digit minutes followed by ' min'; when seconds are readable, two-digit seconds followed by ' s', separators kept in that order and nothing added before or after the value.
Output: 10 h 17 min
